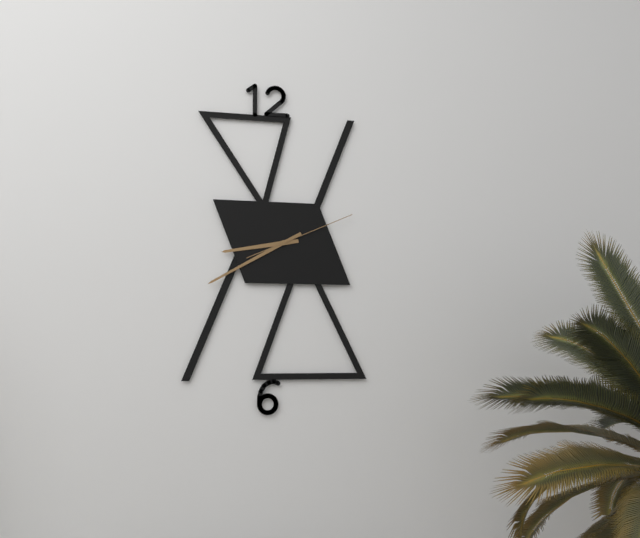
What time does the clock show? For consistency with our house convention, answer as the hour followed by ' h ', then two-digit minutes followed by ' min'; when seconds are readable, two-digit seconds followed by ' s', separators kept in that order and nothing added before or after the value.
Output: 8 h 40 min 11 s
